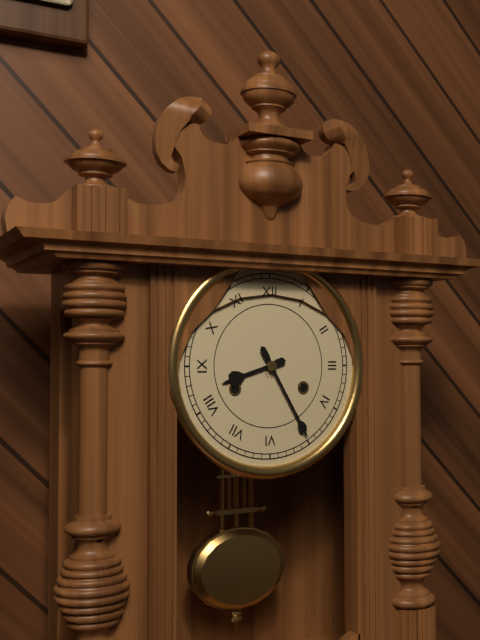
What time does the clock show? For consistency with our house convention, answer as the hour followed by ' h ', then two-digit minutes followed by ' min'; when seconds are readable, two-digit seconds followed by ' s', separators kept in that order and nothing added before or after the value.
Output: 8 h 25 min
